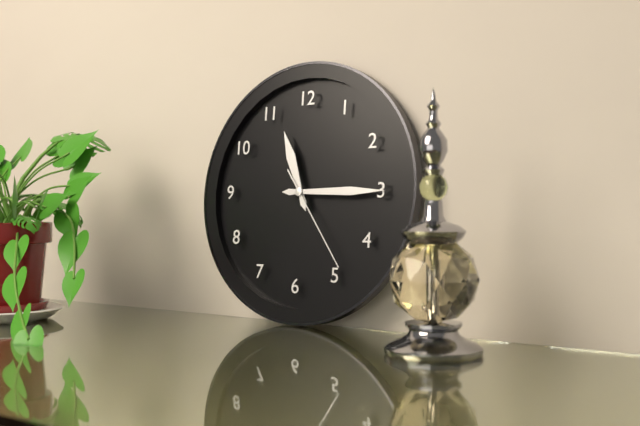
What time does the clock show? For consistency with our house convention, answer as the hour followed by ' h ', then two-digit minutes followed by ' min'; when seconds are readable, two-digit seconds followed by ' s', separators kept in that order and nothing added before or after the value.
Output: 11 h 15 min 24 s
